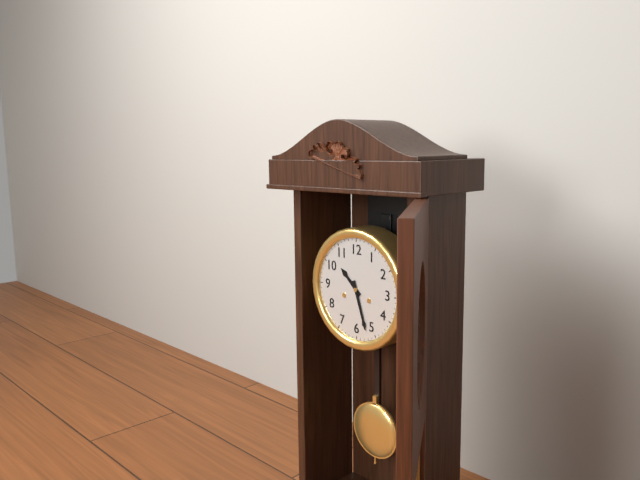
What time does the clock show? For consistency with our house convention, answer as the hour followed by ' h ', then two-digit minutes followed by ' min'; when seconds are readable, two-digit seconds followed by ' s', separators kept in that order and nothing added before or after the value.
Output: 10 h 27 min
